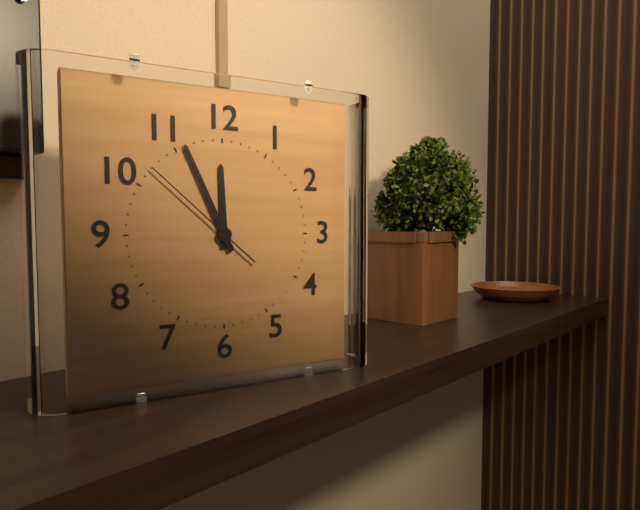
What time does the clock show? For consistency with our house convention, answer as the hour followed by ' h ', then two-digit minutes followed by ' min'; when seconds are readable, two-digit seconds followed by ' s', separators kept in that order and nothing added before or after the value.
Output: 11 h 56 min 52 s
